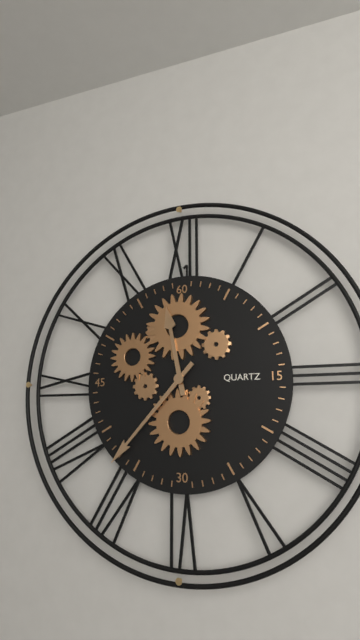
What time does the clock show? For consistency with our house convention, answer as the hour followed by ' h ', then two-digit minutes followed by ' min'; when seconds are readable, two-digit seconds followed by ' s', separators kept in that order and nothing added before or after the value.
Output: 11 h 37 min
